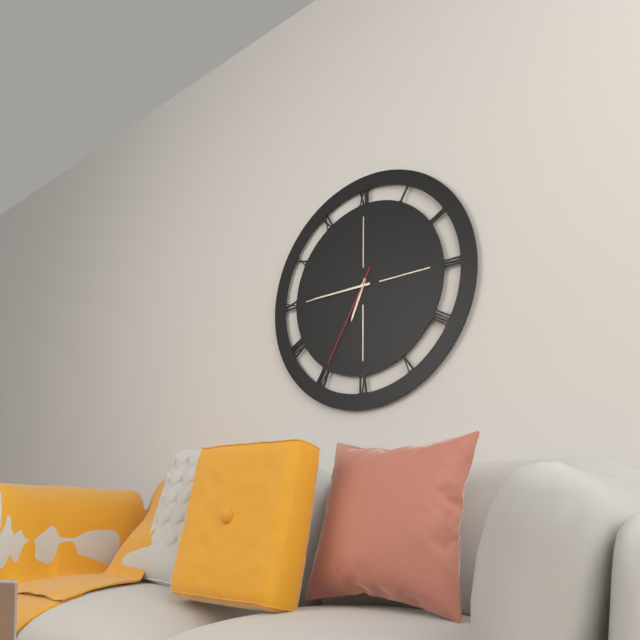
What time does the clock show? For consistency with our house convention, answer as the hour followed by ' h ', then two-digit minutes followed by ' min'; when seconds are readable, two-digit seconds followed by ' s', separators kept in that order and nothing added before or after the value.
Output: 6 h 45 min 35 s
